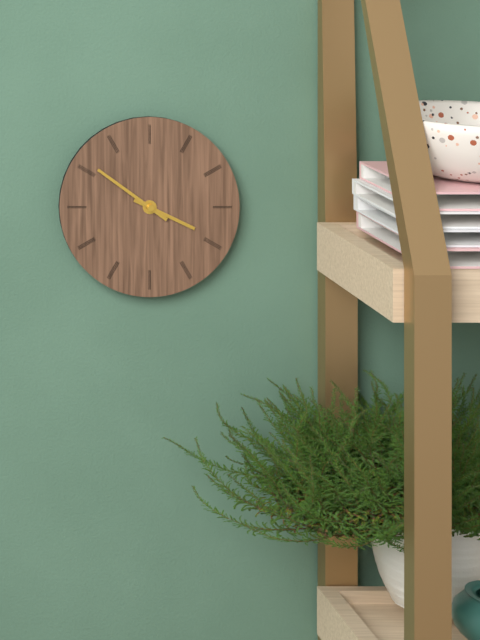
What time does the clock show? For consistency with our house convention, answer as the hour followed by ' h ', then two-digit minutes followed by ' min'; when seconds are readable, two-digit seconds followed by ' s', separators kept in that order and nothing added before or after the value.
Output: 3 h 51 min
